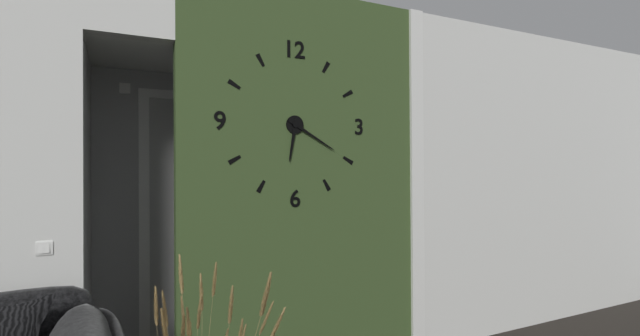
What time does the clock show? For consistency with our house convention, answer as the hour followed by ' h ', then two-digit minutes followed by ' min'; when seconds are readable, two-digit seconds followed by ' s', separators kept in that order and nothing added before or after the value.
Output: 6 h 20 min
